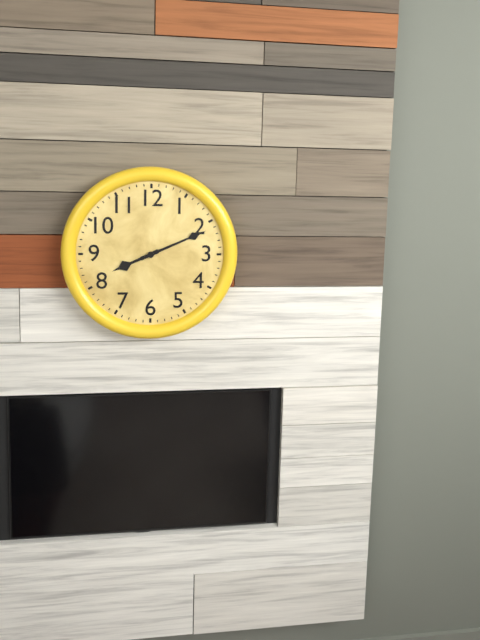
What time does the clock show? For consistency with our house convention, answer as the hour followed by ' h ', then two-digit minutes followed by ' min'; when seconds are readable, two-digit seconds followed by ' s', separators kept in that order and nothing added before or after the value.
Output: 8 h 11 min
